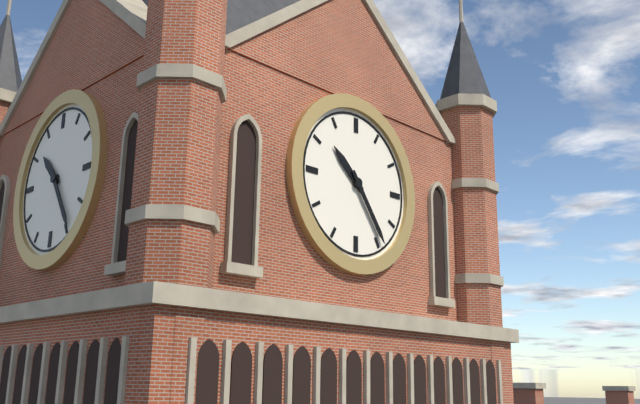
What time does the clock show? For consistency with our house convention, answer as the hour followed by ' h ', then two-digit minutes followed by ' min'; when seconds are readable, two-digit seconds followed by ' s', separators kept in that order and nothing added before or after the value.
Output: 10 h 24 min
